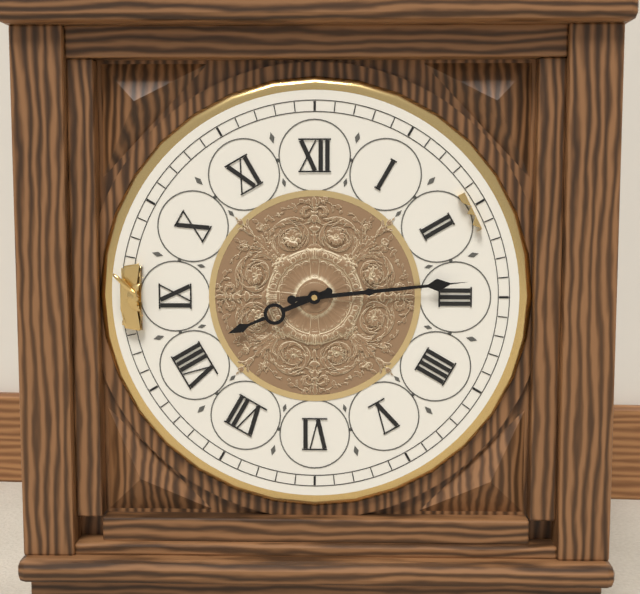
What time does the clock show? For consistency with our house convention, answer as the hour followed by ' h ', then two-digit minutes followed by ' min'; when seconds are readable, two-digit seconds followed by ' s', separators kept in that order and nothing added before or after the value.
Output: 8 h 14 min
